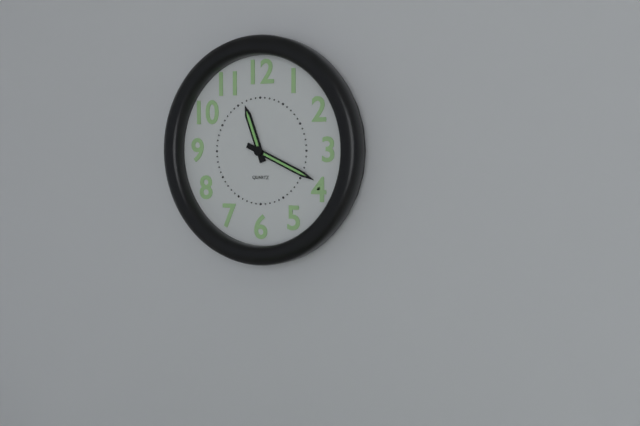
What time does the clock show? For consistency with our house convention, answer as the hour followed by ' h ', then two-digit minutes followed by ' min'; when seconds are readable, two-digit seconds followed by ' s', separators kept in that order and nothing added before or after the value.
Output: 11 h 19 min
